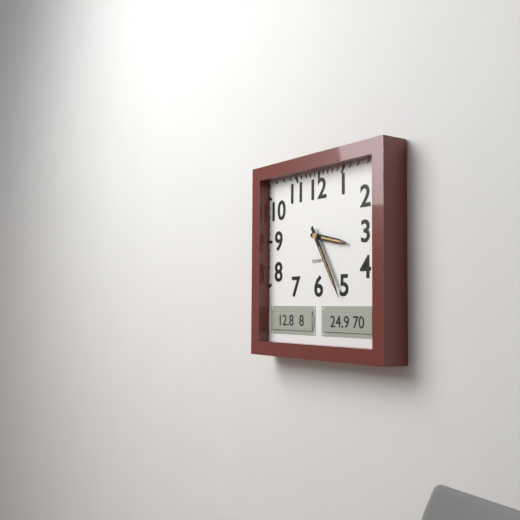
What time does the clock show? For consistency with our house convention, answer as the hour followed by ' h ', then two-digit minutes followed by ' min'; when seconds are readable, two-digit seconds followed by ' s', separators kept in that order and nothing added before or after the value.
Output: 3 h 25 min
